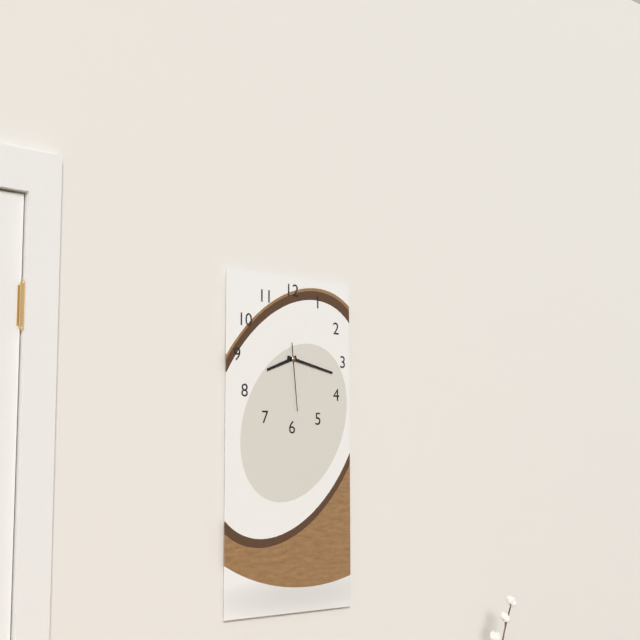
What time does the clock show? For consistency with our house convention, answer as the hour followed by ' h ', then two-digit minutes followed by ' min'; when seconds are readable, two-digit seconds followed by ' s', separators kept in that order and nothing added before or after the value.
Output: 8 h 17 min 29 s
